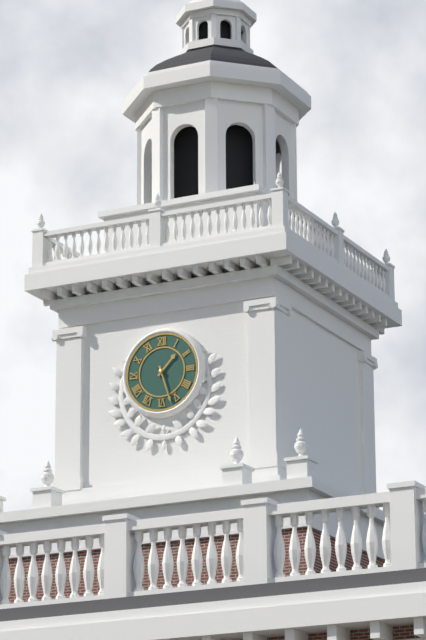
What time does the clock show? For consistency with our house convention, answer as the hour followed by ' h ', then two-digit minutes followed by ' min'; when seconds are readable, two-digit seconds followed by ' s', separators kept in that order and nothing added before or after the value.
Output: 1 h 27 min
